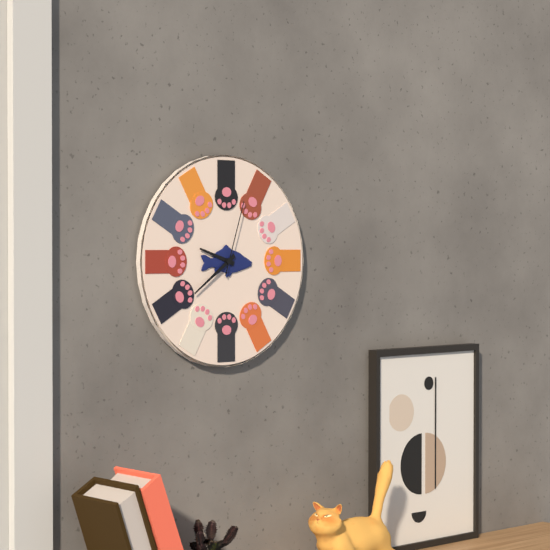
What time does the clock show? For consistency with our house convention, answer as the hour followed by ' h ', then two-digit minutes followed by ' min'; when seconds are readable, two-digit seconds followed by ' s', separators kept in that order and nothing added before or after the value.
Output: 9 h 39 min 03 s
